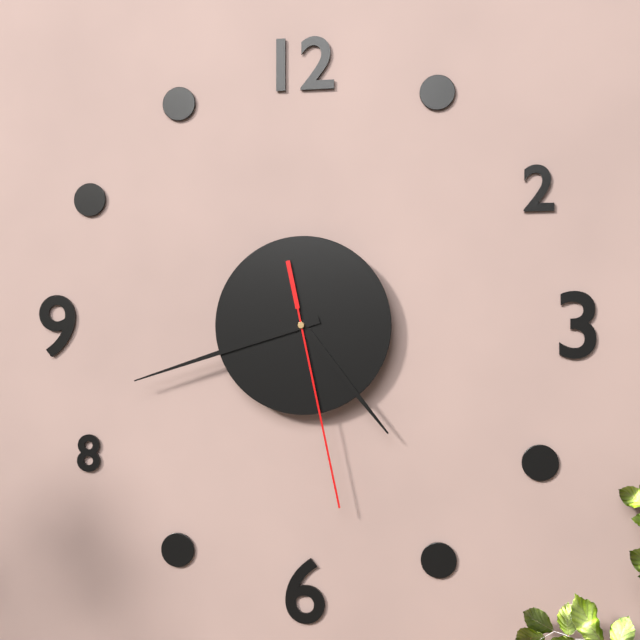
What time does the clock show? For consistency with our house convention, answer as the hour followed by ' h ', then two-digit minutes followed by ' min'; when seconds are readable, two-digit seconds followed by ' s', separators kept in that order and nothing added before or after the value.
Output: 4 h 42 min 28 s
